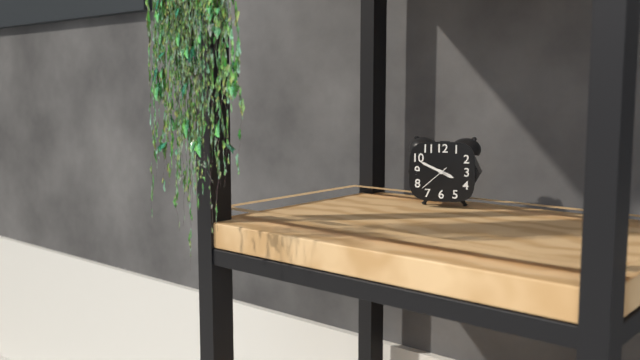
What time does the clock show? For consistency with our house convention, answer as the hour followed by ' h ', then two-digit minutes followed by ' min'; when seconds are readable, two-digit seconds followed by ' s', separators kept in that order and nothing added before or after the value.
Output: 3 h 49 min
